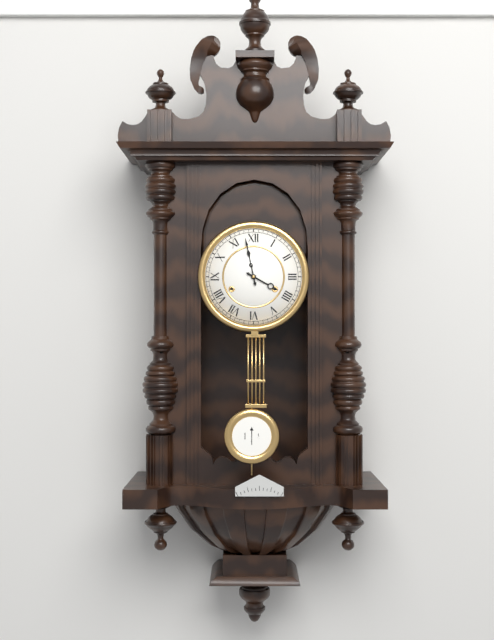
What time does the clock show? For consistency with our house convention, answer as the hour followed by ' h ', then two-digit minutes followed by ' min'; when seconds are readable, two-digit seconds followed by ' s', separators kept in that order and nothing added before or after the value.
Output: 3 h 58 min
